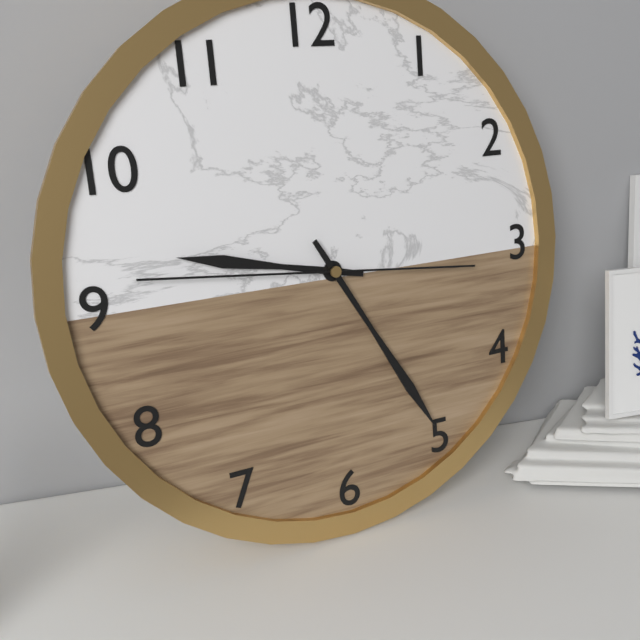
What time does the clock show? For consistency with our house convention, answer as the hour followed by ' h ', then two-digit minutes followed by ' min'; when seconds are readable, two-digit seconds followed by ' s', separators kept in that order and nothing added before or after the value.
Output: 9 h 25 min 46 s
